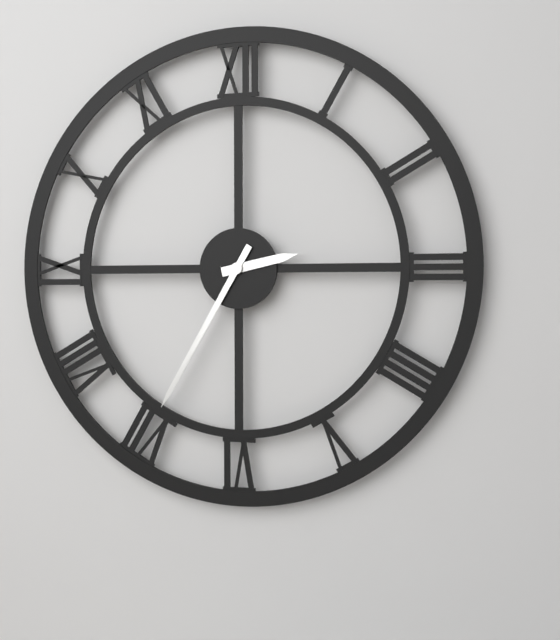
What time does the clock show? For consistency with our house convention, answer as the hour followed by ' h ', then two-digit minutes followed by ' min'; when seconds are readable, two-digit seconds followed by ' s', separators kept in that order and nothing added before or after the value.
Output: 2 h 35 min
